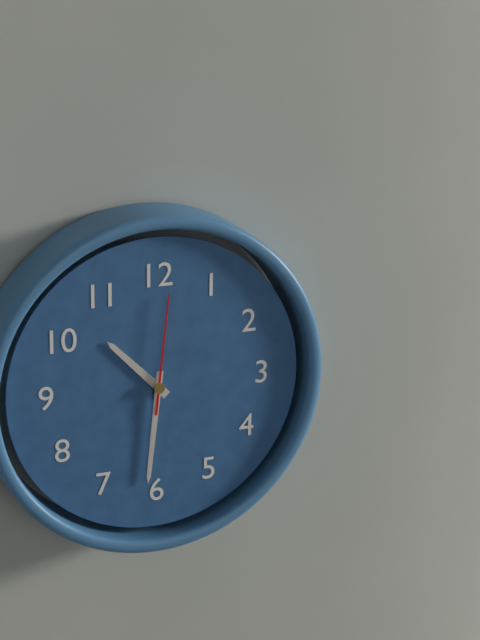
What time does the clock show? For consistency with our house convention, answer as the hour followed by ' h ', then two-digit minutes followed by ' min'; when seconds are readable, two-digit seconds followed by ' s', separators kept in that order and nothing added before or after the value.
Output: 10 h 31 min 01 s
